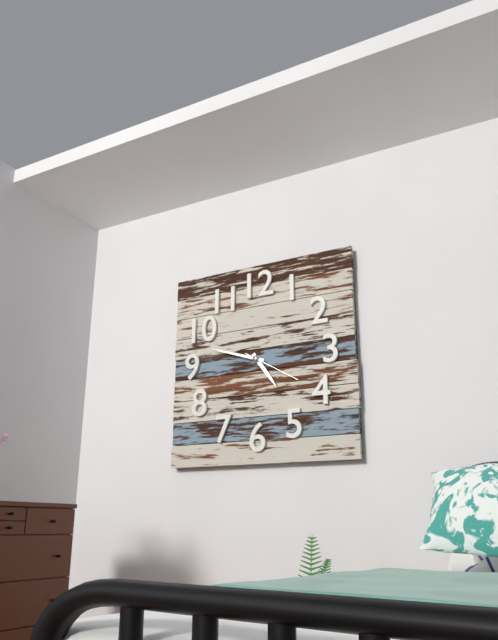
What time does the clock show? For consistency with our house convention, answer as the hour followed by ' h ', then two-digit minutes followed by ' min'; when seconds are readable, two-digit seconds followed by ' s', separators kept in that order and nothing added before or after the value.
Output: 4 h 48 min 20 s
